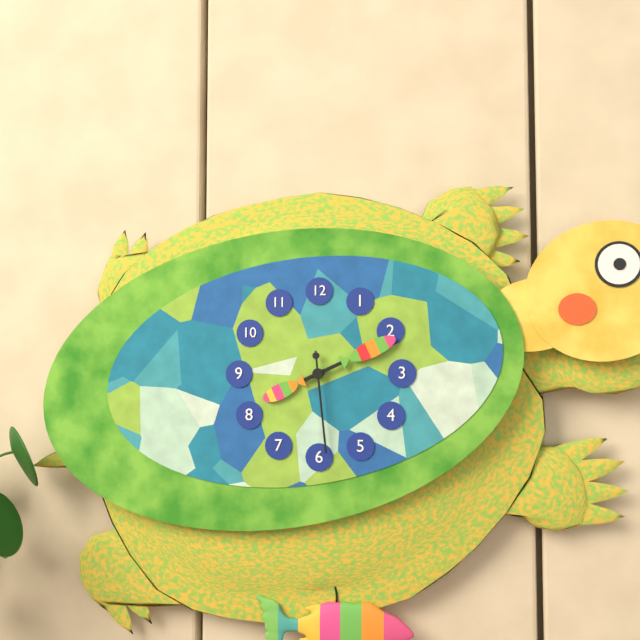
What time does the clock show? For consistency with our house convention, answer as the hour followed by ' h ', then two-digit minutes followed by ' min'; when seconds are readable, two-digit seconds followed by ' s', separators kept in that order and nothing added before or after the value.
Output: 8 h 11 min 29 s
